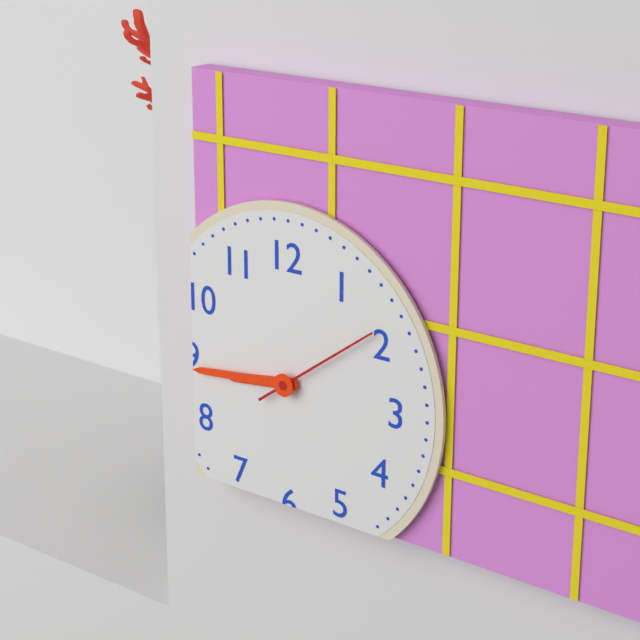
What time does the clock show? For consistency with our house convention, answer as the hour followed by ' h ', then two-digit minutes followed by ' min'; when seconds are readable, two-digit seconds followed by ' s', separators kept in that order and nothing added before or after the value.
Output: 8 h 44 min 09 s
